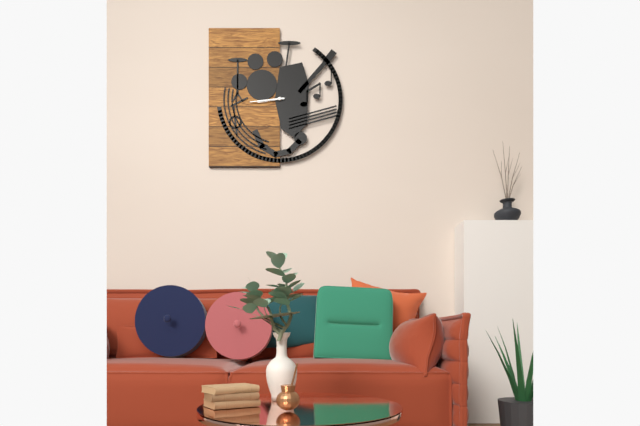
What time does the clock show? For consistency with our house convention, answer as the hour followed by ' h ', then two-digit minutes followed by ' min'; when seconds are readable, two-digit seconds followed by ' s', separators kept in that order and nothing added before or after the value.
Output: 8 h 44 min
